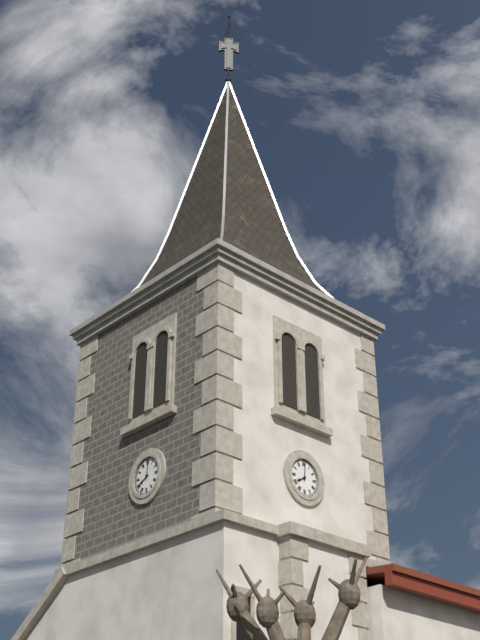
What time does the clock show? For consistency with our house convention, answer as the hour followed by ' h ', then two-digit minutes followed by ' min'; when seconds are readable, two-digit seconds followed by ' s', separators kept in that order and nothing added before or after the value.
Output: 8 h 01 min
